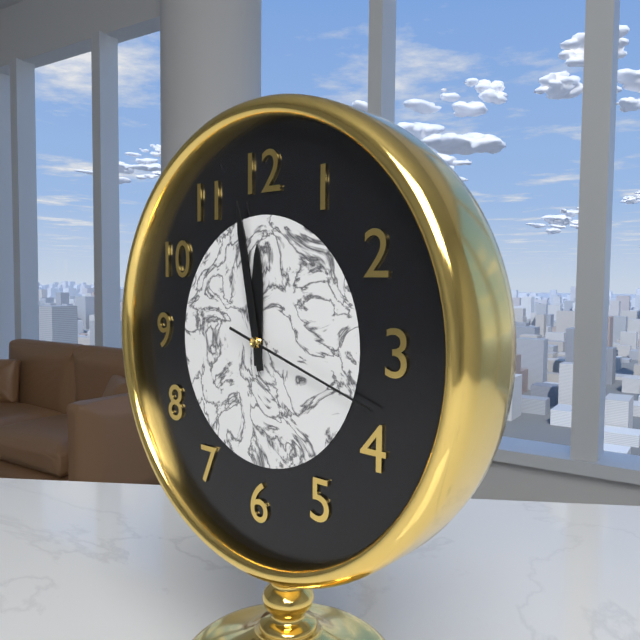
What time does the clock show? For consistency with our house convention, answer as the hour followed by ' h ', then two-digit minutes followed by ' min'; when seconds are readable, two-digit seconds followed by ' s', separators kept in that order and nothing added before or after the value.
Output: 11 h 58 min 18 s
